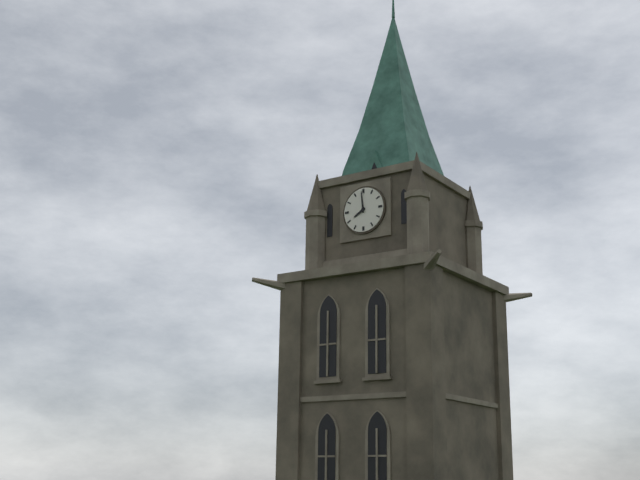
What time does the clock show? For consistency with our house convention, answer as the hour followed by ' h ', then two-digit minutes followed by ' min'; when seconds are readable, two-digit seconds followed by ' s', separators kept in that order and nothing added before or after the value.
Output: 7 h 59 min
